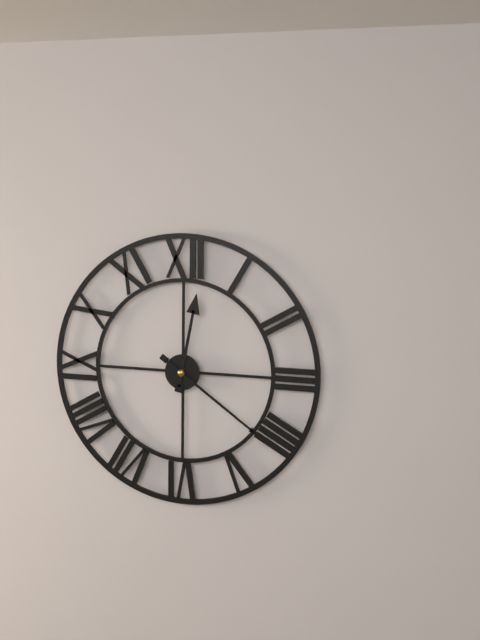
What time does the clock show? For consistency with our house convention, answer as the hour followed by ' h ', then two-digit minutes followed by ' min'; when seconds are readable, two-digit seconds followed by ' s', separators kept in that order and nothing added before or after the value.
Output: 12 h 21 min
